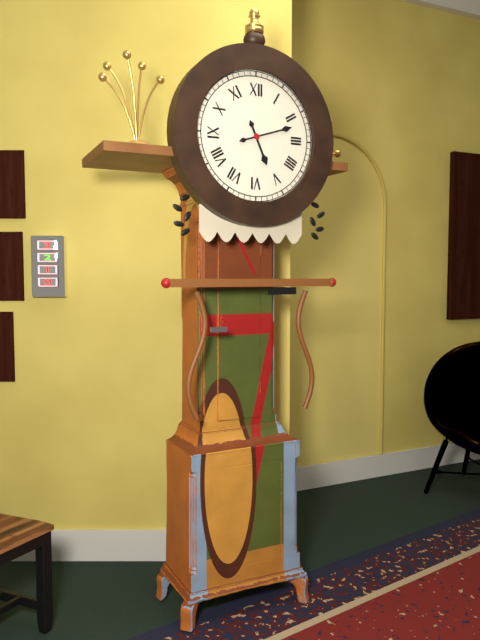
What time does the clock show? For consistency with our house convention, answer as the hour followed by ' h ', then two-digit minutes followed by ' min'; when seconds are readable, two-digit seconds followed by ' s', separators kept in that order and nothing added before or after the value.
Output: 5 h 12 min
